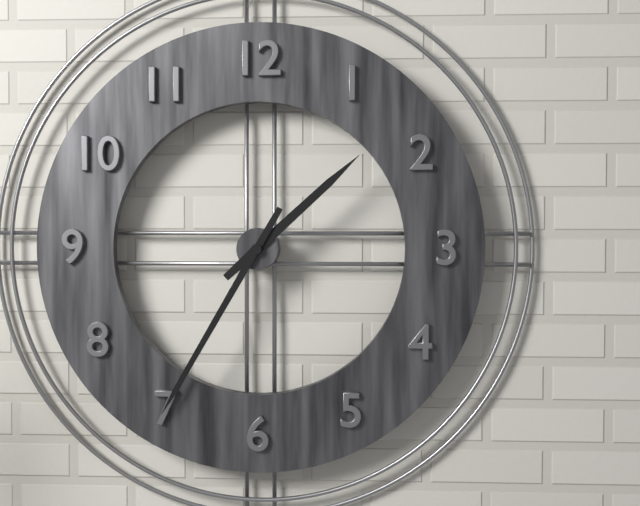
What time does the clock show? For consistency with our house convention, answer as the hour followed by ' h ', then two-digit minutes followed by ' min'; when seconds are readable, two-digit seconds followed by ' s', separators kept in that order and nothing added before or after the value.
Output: 1 h 35 min
